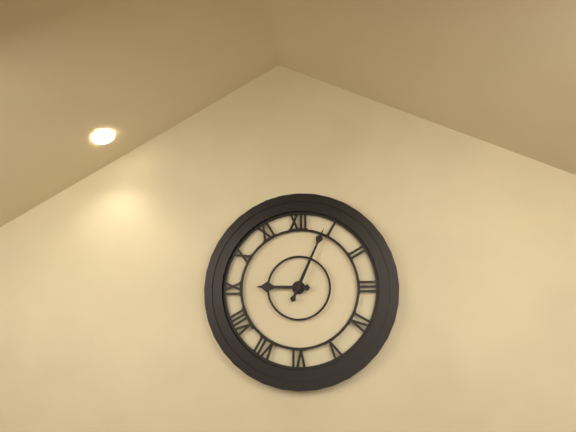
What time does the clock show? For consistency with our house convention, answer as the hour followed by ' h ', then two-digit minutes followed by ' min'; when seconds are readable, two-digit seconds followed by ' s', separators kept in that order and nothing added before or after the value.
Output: 9 h 04 min
